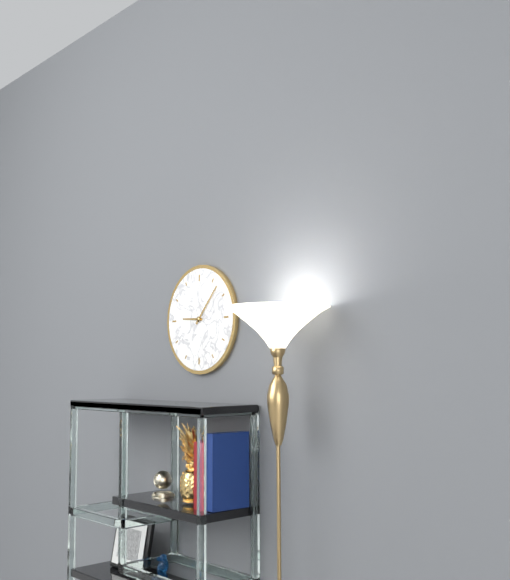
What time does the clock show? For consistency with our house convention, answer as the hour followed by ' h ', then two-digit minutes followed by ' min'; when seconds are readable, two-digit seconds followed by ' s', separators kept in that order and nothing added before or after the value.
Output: 9 h 07 min
